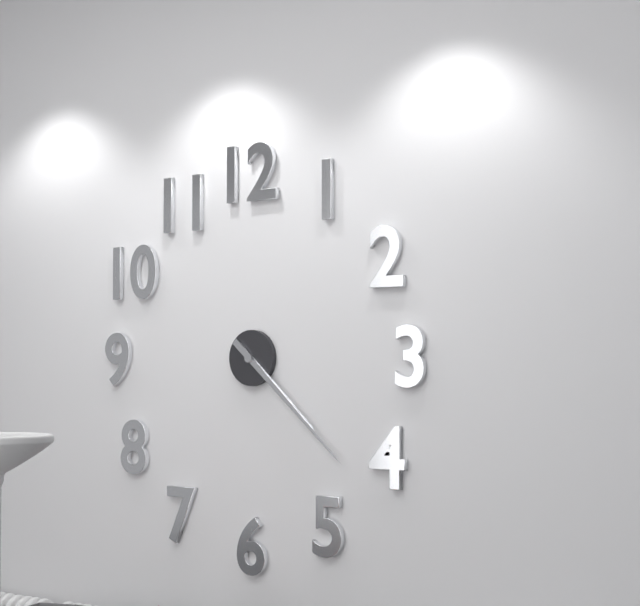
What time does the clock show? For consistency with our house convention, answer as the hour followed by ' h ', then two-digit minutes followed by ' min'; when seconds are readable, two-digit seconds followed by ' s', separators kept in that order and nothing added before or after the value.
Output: 4 h 22 min
